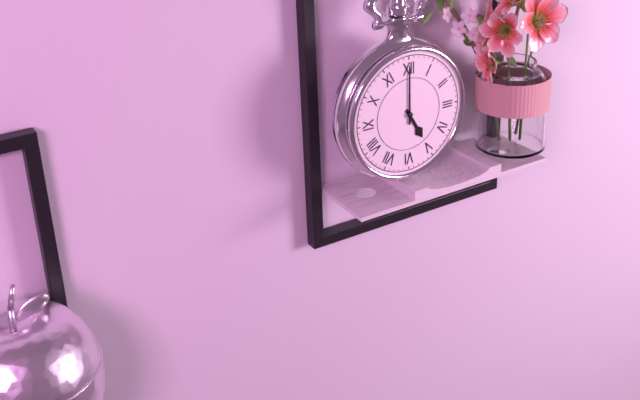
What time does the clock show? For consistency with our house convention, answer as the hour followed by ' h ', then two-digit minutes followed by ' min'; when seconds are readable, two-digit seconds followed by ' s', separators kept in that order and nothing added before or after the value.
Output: 5 h 00 min
